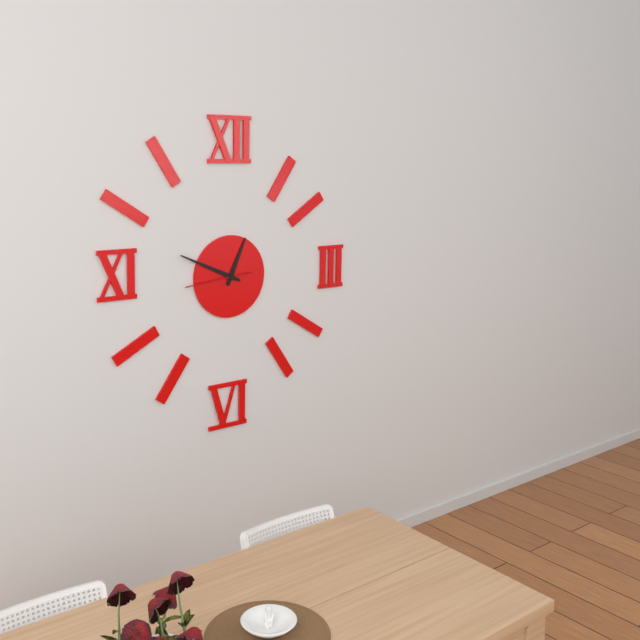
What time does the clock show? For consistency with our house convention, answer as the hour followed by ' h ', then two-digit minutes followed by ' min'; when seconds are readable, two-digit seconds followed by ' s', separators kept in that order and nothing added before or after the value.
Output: 12 h 49 min 44 s
